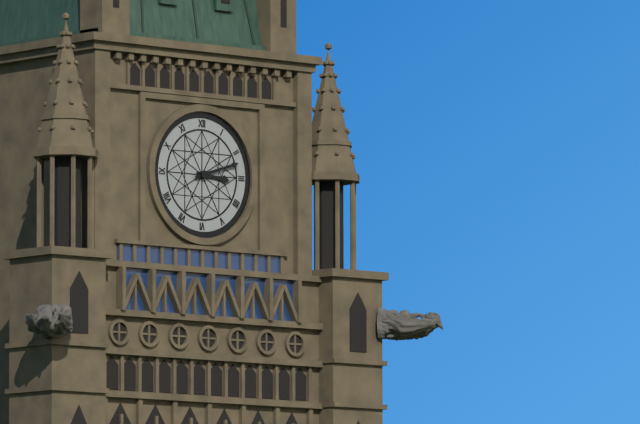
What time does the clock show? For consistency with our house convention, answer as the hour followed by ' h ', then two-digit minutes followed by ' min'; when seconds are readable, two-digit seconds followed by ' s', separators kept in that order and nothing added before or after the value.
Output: 3 h 12 min
